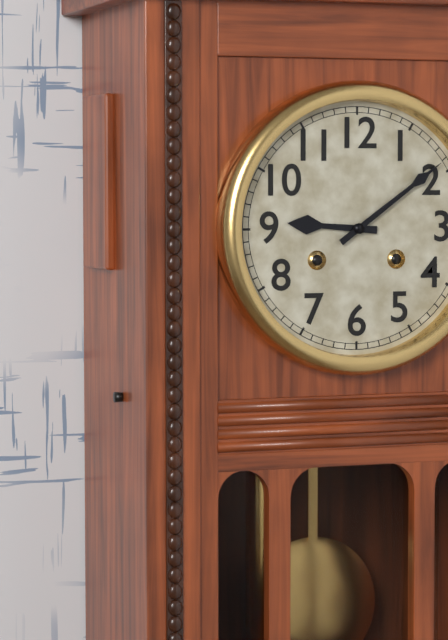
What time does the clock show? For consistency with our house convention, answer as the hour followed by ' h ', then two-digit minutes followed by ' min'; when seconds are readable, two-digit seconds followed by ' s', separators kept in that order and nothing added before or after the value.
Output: 9 h 09 min
